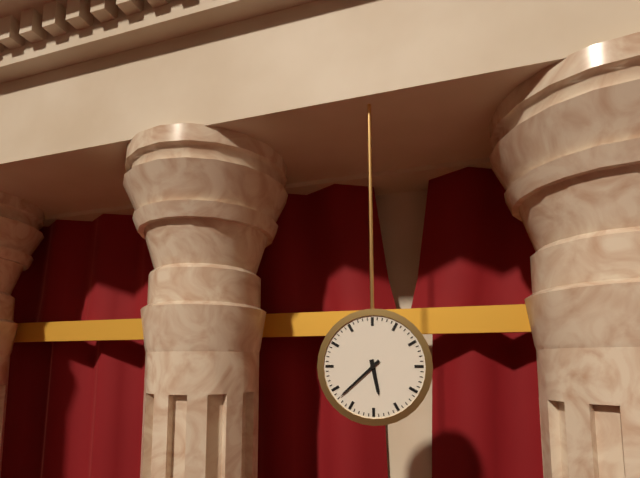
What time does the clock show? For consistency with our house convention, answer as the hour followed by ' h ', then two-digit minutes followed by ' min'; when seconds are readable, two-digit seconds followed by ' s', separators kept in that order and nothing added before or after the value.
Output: 5 h 38 min
